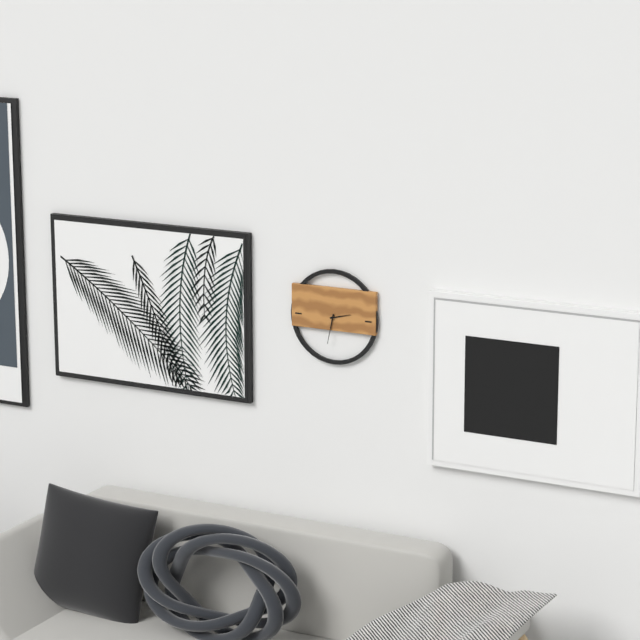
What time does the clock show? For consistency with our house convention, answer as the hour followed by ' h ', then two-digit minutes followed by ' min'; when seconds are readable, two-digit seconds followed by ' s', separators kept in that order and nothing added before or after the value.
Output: 2 h 32 min
